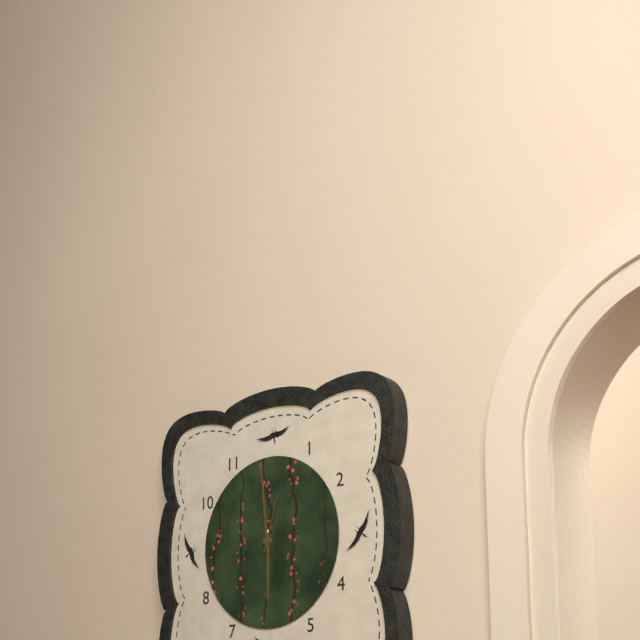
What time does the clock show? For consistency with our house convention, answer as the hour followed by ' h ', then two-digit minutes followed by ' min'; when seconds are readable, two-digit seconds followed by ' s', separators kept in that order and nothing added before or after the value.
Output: 5 h 59 min 03 s
